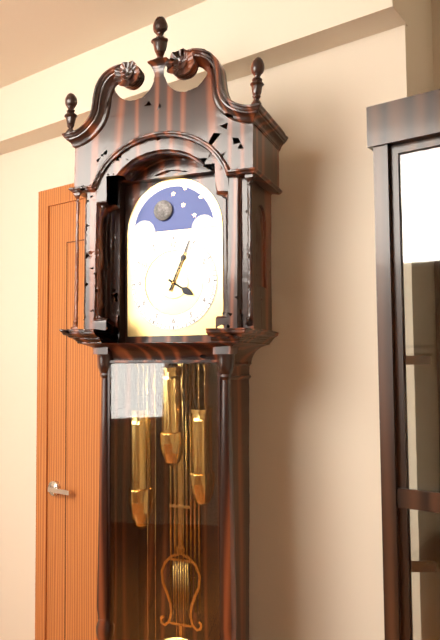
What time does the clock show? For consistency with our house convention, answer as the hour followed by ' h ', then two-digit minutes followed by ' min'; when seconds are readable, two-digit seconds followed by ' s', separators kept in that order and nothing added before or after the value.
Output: 4 h 04 min
